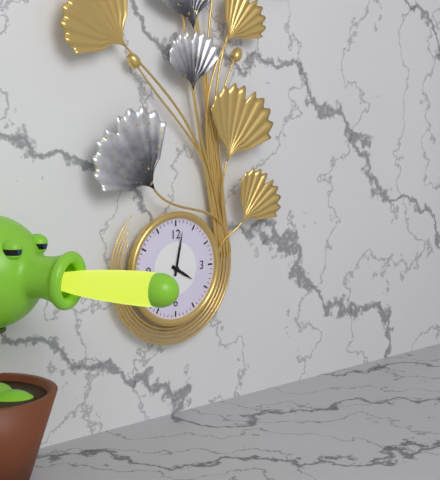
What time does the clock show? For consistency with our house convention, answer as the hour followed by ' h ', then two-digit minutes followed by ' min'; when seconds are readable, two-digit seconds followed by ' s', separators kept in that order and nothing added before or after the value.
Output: 4 h 02 min
